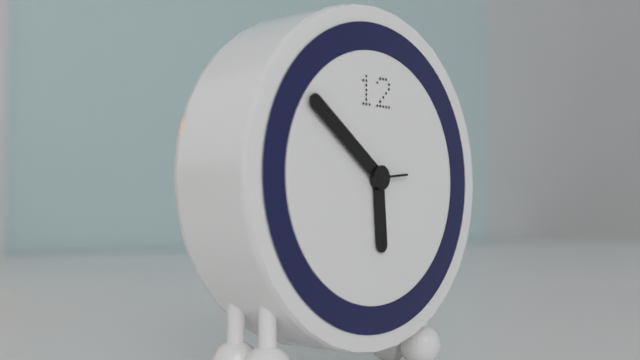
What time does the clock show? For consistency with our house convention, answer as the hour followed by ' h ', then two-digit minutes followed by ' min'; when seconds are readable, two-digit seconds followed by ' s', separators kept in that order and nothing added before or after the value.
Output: 5 h 51 min 14 s
